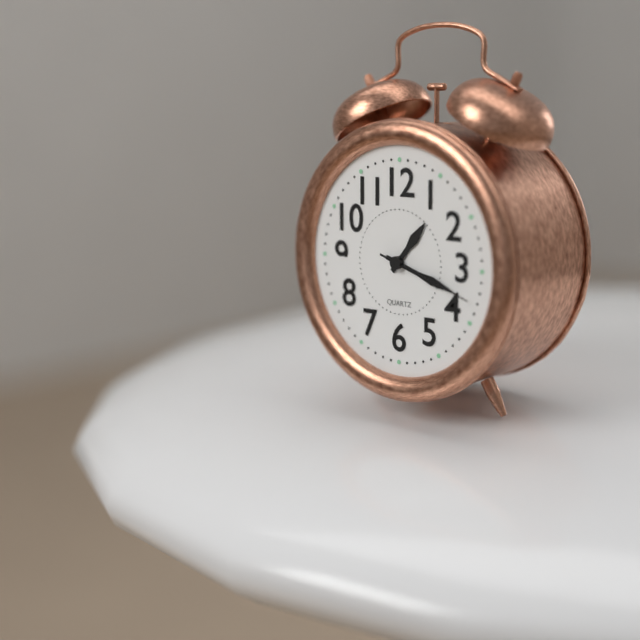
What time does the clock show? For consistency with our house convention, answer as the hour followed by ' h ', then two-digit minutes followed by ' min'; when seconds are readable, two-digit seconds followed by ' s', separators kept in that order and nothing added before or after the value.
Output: 1 h 18 min 18 s
